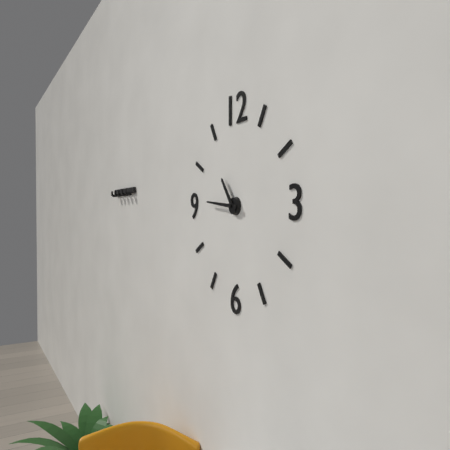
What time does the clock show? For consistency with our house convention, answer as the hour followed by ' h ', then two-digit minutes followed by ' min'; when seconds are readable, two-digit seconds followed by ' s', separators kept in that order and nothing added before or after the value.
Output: 10 h 46 min
